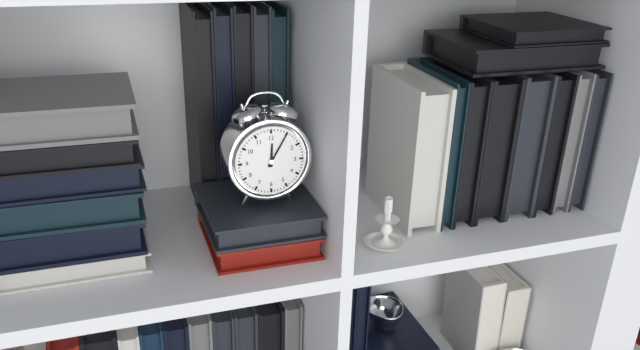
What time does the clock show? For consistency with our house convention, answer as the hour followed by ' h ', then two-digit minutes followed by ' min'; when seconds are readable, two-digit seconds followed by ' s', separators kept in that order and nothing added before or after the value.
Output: 12 h 05 min
